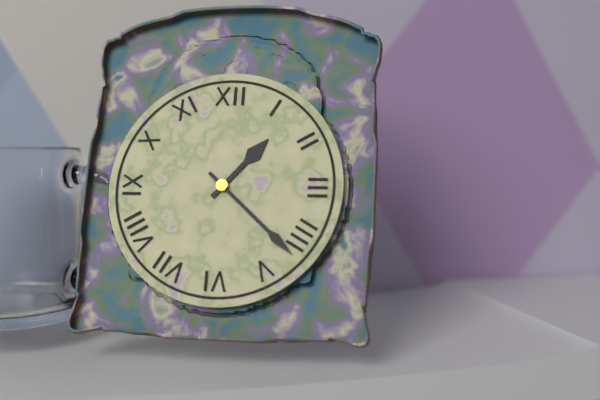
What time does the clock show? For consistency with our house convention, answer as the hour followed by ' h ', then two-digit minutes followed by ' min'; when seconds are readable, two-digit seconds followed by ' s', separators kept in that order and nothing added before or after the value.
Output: 1 h 22 min
